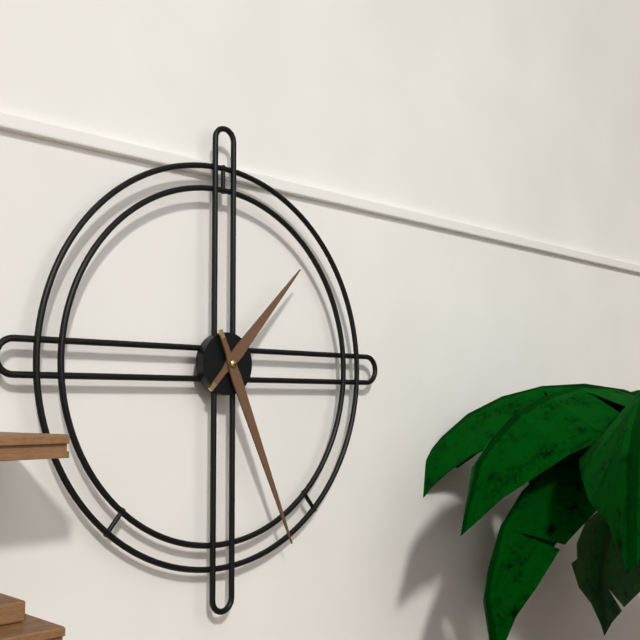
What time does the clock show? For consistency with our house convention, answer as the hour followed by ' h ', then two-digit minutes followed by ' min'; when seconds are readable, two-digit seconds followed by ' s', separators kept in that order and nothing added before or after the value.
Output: 1 h 26 min
